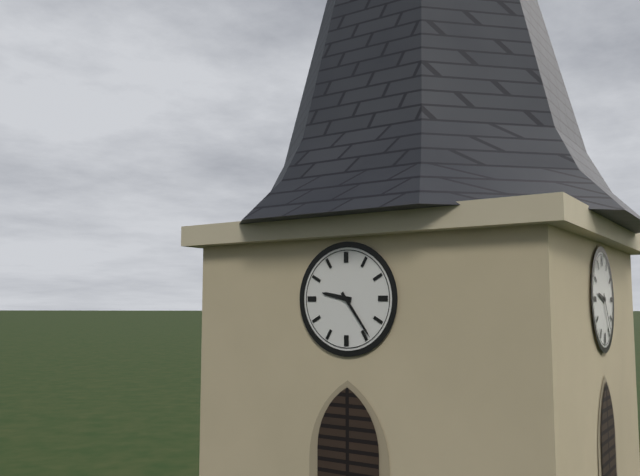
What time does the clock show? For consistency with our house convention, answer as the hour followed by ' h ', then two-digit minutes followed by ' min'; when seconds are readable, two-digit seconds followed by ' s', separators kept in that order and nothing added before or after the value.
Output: 9 h 24 min
